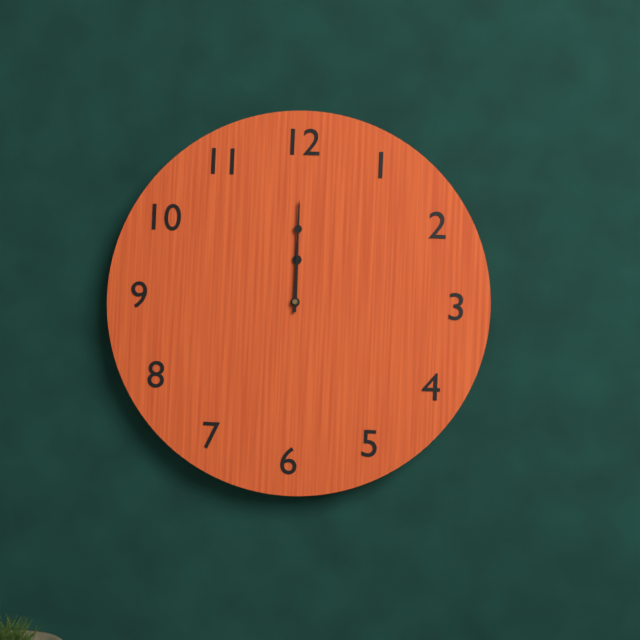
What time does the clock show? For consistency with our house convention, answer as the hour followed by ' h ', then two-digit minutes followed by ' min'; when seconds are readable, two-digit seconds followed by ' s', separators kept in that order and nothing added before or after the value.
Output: 12 h 00 min
